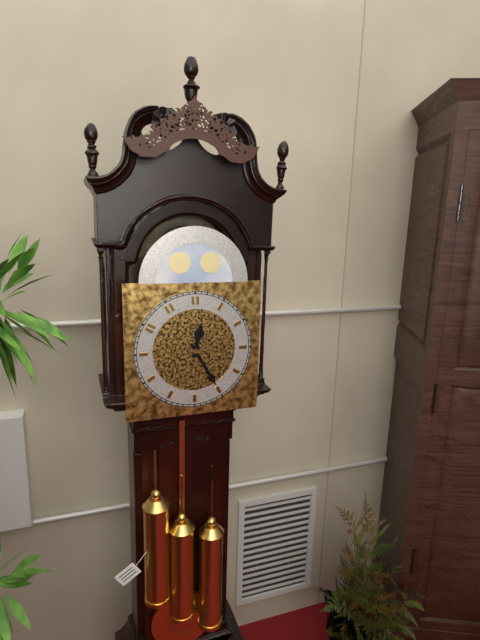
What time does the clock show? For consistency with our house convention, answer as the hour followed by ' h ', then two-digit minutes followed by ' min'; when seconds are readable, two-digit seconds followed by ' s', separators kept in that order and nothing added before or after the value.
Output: 12 h 25 min
